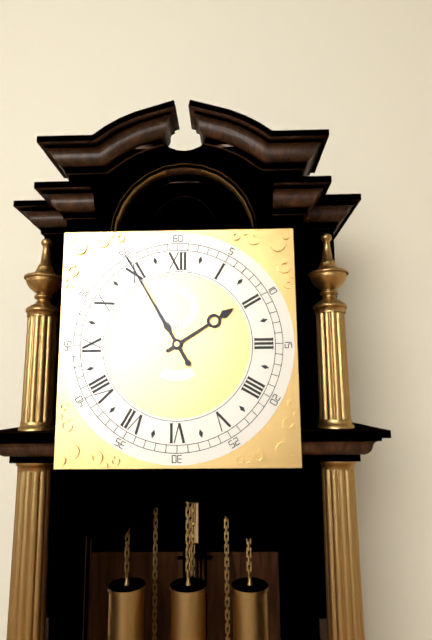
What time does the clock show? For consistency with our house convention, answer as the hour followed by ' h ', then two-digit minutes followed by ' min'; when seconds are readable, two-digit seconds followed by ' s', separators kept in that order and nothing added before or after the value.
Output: 1 h 55 min
